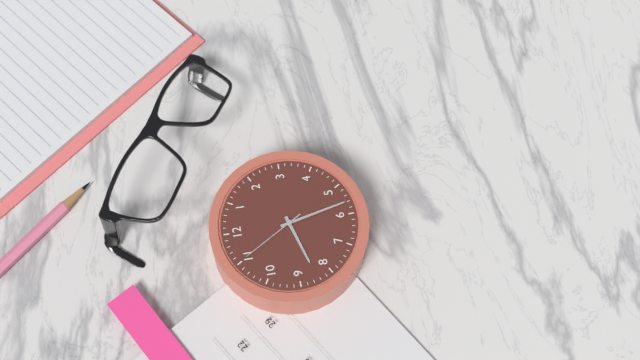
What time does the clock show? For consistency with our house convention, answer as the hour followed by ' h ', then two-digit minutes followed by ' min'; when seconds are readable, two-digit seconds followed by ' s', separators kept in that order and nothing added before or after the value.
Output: 8 h 28 min 55 s
